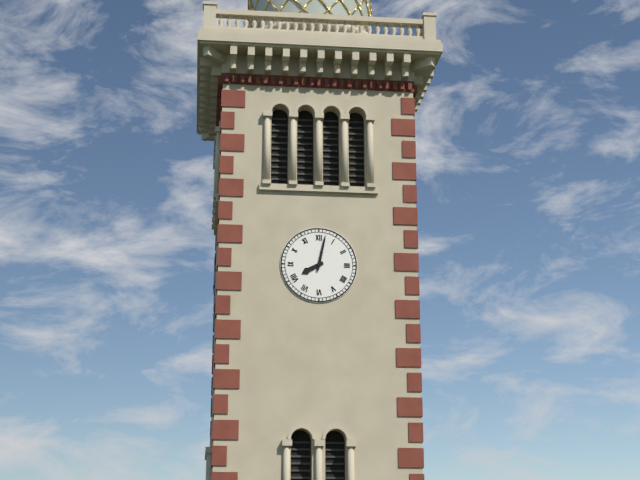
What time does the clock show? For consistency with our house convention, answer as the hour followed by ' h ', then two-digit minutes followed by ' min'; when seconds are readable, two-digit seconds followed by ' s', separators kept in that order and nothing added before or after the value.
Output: 8 h 02 min
